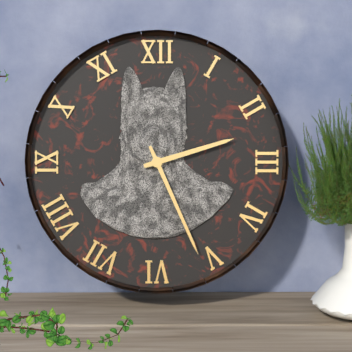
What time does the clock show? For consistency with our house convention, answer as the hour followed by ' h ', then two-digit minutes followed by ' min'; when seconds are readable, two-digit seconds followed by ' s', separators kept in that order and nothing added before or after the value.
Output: 2 h 26 min
